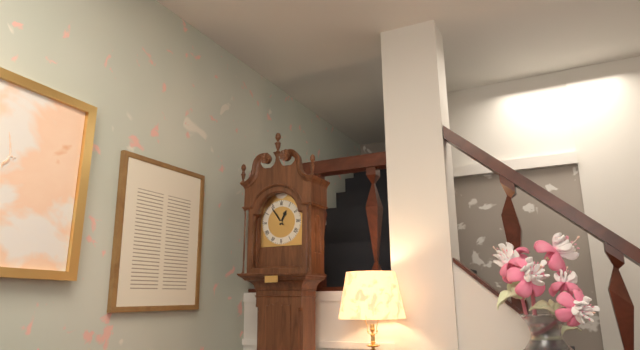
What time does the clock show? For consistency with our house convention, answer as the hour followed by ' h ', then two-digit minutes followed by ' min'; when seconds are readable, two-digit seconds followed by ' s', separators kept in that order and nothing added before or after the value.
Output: 12 h 54 min
